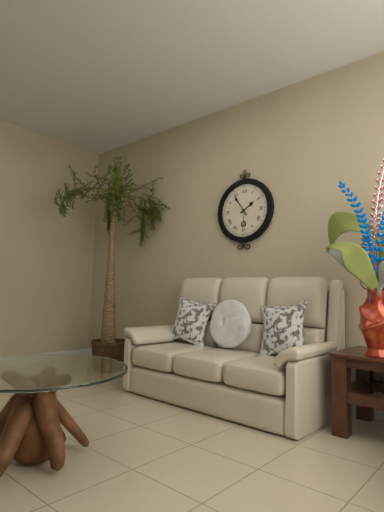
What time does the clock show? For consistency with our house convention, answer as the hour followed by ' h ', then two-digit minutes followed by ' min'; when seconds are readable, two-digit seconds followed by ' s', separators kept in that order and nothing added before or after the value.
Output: 1 h 54 min
